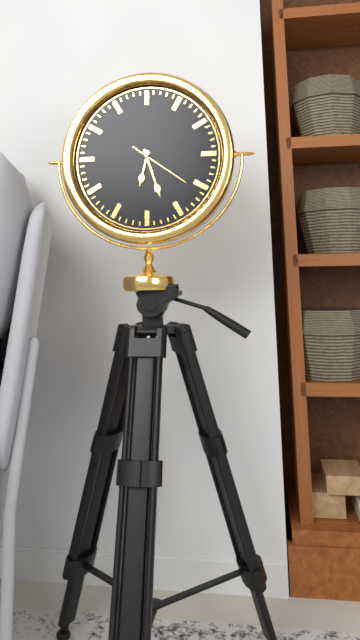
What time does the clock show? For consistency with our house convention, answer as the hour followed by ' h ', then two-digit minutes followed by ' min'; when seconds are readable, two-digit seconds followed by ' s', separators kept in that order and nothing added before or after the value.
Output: 6 h 27 min 21 s
